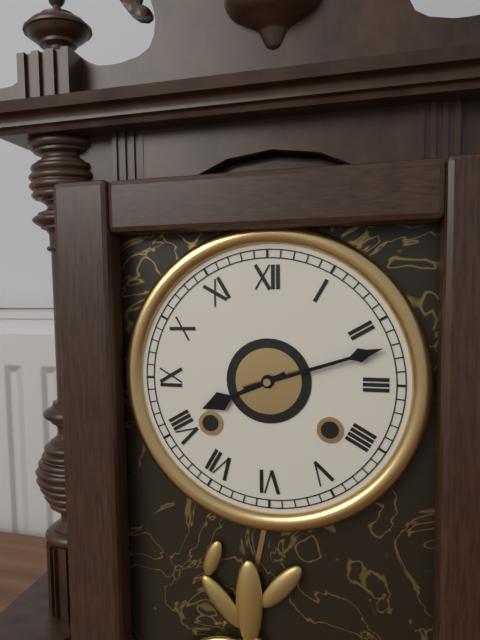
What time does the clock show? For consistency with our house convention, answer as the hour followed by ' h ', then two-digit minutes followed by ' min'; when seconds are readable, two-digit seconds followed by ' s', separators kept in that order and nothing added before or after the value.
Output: 8 h 12 min
